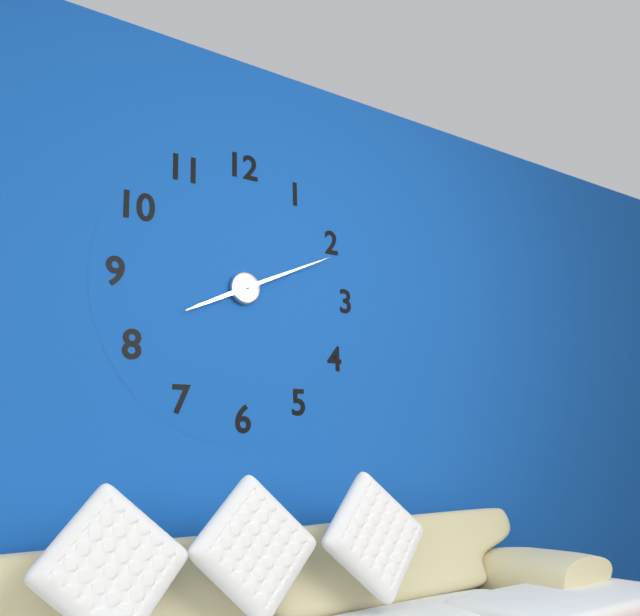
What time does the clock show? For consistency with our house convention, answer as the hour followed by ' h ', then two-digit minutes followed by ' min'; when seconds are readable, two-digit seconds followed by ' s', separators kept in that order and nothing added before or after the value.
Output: 8 h 11 min
